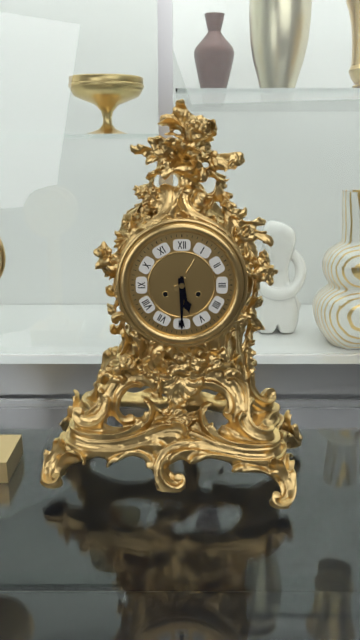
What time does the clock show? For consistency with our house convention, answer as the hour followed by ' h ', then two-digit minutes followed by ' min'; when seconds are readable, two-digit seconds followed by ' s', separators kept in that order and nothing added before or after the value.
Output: 5 h 30 min
